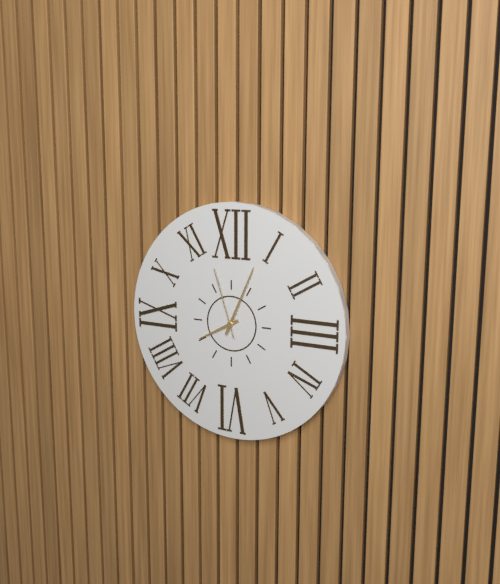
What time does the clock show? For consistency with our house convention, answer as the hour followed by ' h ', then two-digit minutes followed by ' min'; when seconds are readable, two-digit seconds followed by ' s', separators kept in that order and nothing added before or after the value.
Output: 8 h 04 min 57 s
